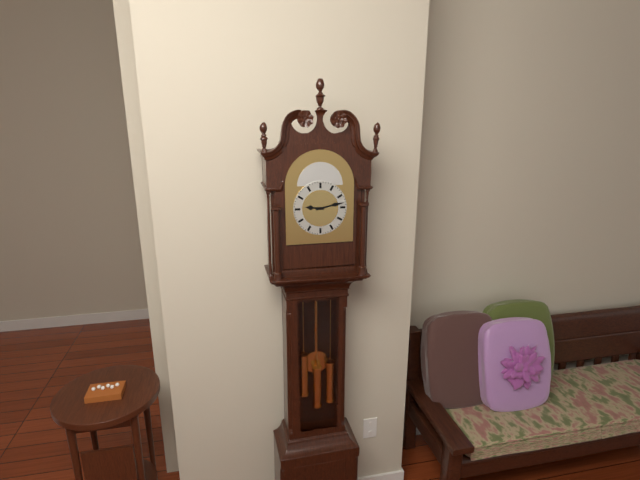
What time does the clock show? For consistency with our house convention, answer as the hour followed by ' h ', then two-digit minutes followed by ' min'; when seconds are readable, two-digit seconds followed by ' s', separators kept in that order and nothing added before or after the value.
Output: 9 h 13 min
